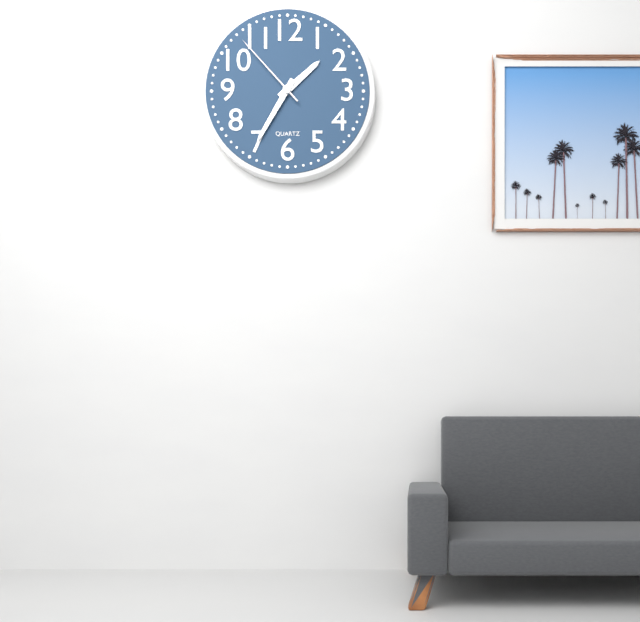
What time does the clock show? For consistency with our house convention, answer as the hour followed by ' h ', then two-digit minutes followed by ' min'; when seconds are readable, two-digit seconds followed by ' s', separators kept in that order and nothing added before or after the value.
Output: 1 h 35 min 53 s
